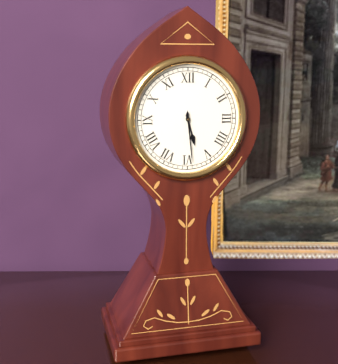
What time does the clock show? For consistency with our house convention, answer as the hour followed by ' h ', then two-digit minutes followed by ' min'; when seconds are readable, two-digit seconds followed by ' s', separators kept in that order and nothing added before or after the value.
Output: 5 h 29 min
